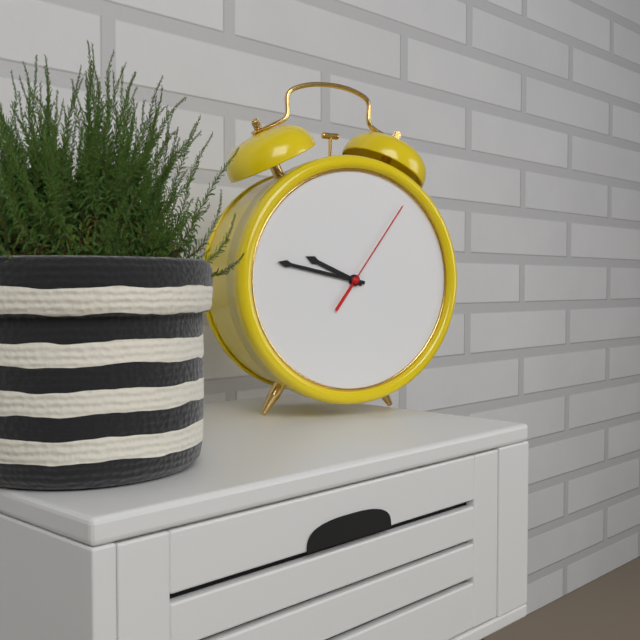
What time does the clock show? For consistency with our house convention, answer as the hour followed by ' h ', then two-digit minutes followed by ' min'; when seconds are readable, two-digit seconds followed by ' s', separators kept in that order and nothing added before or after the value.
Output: 9 h 47 min 06 s
